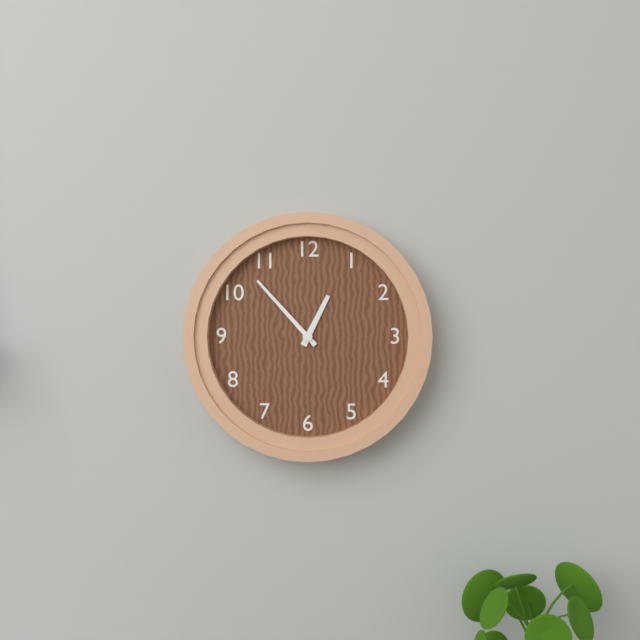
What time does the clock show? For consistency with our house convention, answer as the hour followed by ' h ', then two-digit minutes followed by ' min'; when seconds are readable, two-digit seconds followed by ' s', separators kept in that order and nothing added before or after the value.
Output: 12 h 53 min
